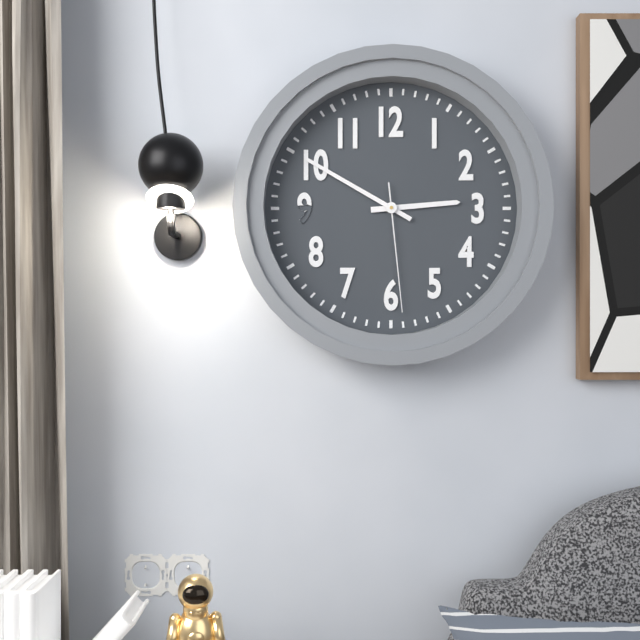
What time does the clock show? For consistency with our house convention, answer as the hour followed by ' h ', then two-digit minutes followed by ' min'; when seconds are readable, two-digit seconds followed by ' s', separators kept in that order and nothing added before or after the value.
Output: 2 h 50 min 29 s
